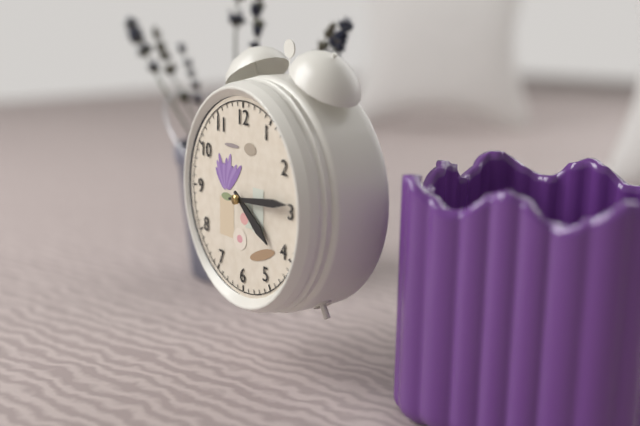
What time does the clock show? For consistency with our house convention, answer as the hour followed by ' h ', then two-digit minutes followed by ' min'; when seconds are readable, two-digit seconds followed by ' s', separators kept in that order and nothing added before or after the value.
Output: 4 h 14 min
